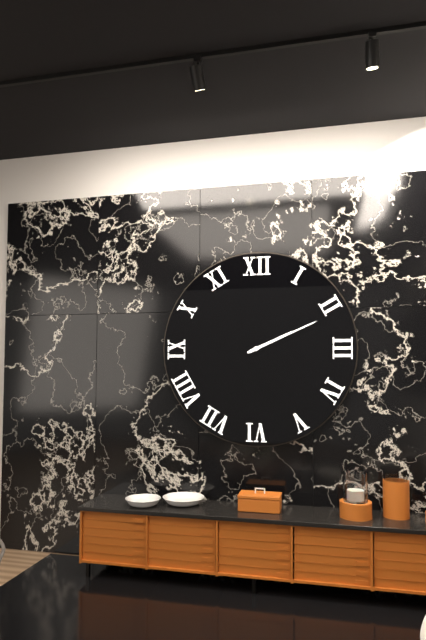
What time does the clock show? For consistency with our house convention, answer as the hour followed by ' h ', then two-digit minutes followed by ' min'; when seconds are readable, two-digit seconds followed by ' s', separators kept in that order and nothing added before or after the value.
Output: 2 h 11 min
